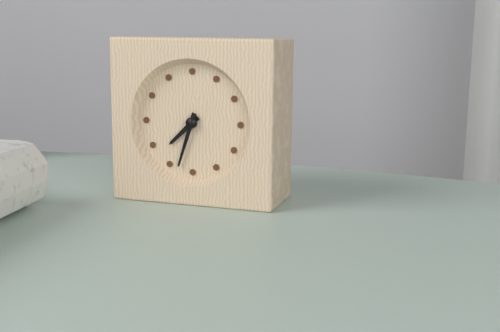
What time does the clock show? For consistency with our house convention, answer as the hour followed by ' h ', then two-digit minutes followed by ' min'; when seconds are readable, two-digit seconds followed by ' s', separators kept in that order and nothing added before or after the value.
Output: 7 h 33 min
